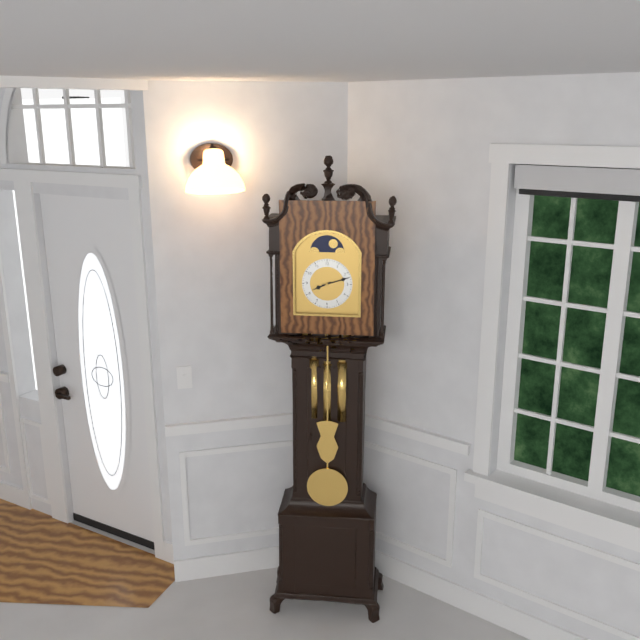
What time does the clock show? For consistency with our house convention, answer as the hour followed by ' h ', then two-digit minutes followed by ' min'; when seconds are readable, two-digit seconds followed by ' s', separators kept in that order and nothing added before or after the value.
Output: 8 h 12 min
